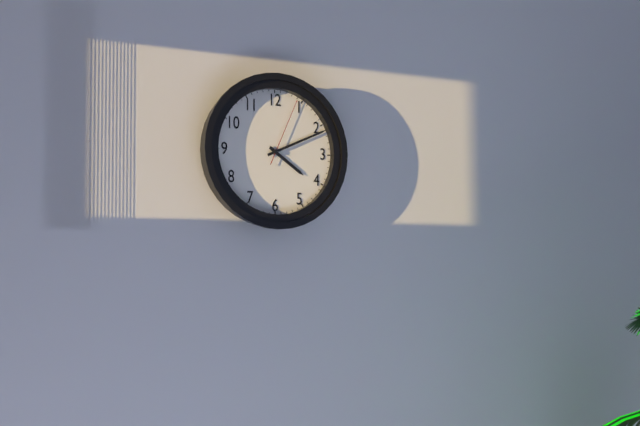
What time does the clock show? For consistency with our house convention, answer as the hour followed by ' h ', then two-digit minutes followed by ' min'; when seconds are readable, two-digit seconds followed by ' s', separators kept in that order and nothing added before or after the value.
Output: 4 h 11 min 04 s
